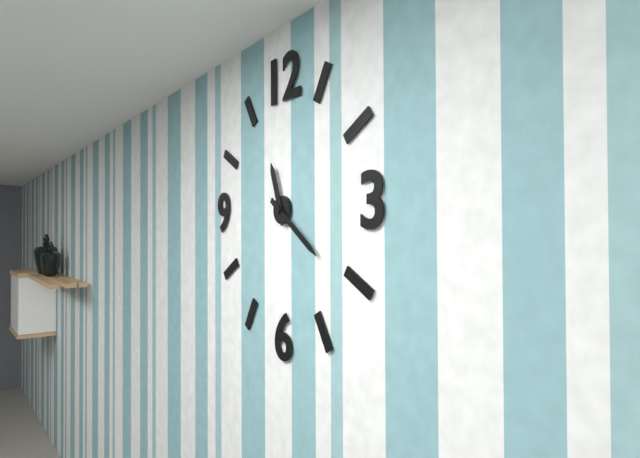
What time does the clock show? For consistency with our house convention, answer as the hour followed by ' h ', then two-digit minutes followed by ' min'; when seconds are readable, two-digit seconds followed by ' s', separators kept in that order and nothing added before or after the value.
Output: 11 h 21 min
